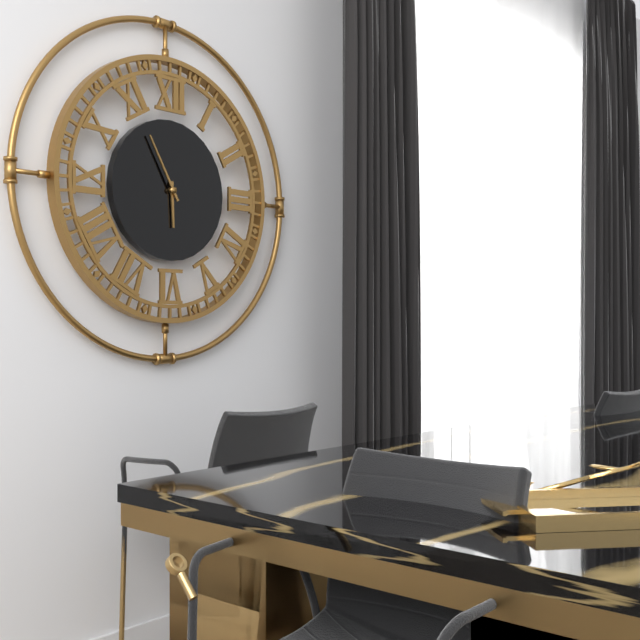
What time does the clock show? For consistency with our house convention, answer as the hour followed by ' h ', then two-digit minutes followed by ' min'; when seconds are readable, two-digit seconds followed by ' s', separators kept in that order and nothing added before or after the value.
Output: 5 h 55 min
